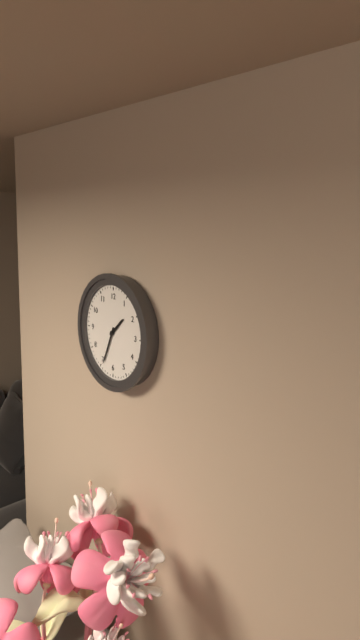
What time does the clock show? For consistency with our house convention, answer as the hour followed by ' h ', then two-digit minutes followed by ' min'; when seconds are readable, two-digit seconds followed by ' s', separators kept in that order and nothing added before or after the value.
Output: 1 h 34 min
